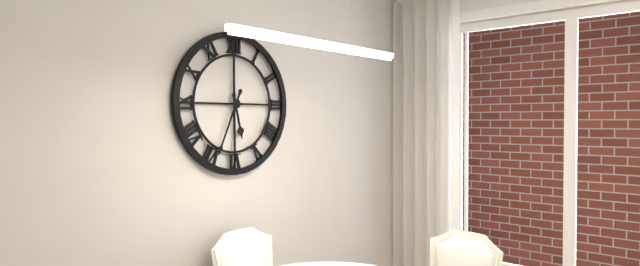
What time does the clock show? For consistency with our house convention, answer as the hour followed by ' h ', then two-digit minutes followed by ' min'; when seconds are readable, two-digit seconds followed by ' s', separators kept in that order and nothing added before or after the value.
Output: 5 h 34 min
